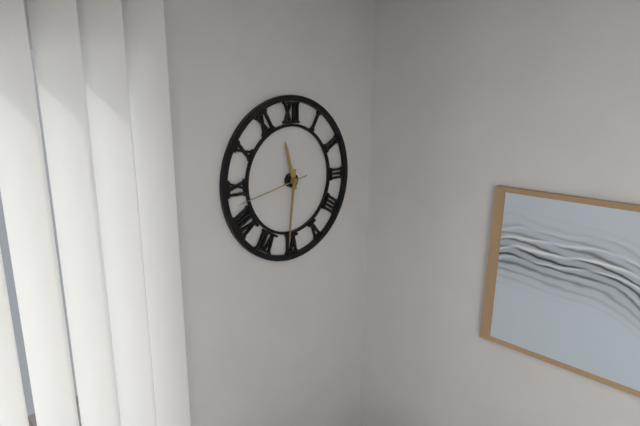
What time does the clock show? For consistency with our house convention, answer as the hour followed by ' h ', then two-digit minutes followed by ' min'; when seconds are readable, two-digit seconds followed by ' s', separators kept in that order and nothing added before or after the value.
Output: 11 h 31 min 43 s
